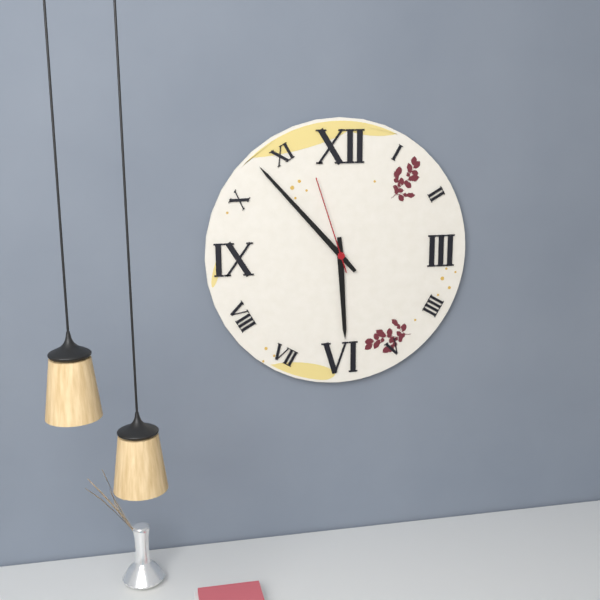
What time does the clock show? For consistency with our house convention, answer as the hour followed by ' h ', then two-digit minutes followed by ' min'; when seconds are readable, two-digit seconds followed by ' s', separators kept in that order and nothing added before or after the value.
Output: 5 h 53 min 57 s
